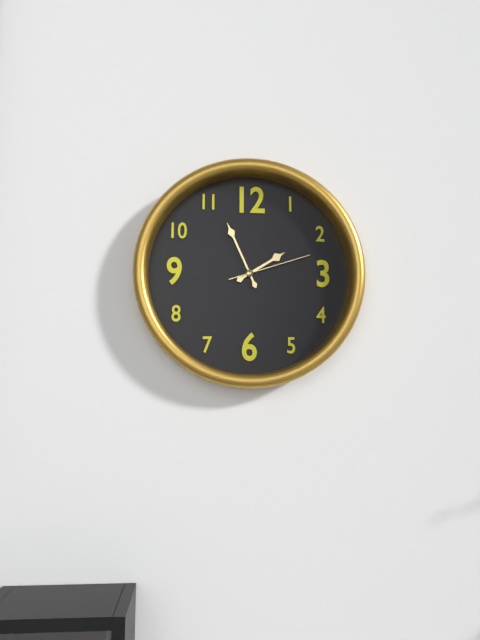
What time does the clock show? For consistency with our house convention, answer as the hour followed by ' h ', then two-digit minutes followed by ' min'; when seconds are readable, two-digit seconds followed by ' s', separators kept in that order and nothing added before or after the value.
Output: 1 h 56 min 12 s
